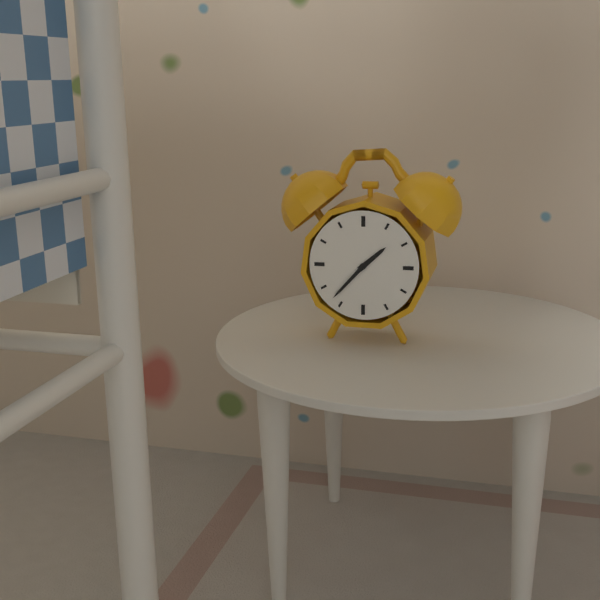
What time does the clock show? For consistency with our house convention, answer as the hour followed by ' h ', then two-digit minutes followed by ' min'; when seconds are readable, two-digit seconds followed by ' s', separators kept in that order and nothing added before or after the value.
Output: 1 h 37 min
